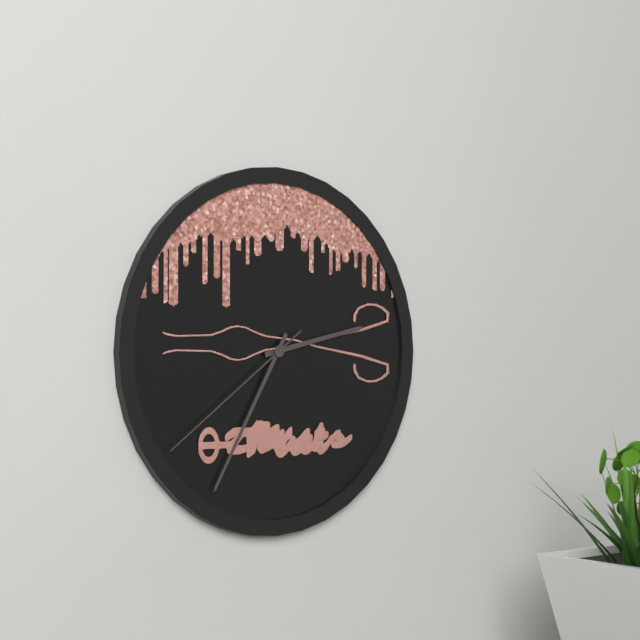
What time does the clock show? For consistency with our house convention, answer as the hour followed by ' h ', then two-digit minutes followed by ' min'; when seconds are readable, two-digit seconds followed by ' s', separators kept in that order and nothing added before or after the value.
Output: 2 h 35 min 39 s
